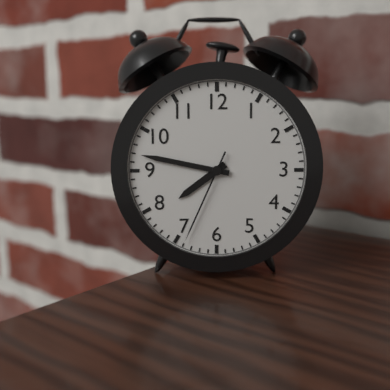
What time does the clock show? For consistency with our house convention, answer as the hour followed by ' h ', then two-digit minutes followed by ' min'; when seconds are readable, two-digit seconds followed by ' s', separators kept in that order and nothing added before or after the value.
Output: 7 h 47 min 34 s
